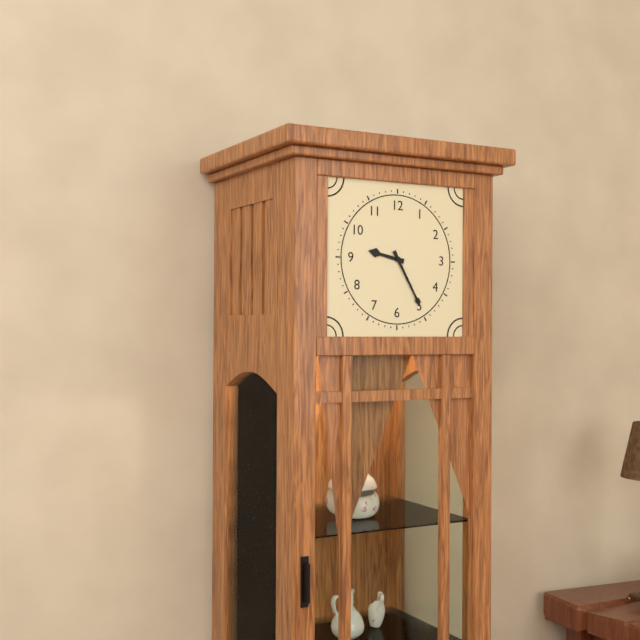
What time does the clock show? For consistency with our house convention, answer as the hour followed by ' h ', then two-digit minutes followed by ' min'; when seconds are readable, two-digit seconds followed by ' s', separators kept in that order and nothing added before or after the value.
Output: 9 h 25 min
